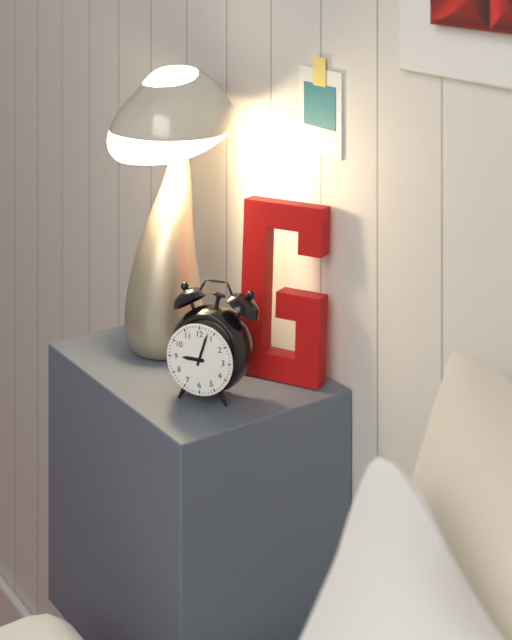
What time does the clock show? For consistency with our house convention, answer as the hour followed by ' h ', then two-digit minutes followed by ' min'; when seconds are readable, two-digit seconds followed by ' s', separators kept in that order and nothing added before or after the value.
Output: 9 h 03 min
